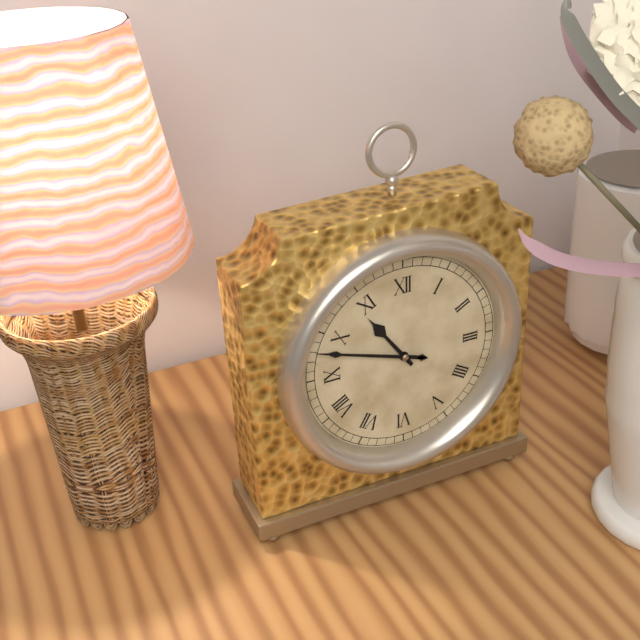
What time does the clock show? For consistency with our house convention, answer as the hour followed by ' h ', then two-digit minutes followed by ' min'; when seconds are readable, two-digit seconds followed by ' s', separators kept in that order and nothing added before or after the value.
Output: 10 h 48 min
